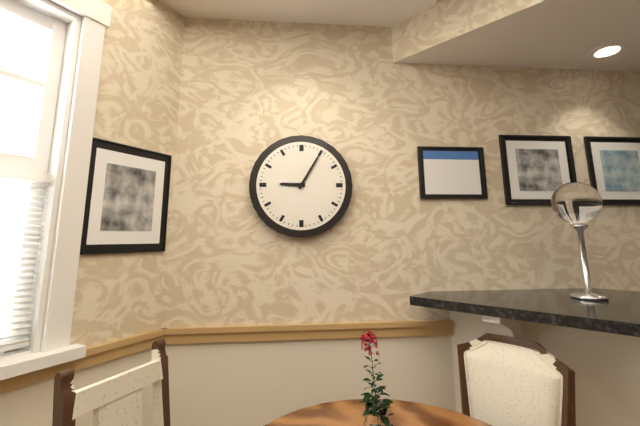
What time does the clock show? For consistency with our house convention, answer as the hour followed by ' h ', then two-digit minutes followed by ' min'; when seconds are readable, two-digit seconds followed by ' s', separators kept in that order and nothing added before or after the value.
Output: 9 h 05 min
